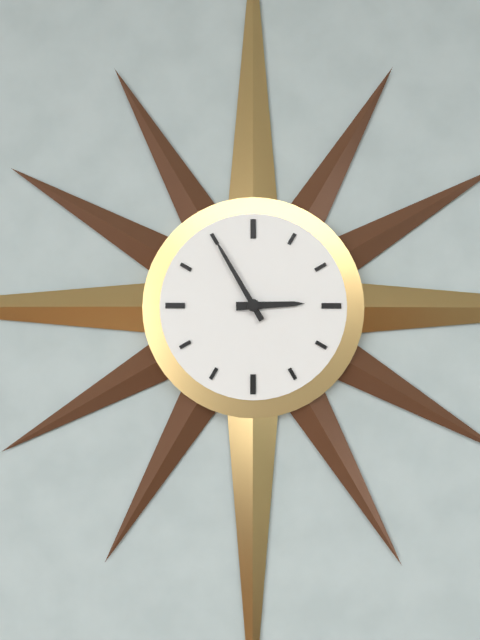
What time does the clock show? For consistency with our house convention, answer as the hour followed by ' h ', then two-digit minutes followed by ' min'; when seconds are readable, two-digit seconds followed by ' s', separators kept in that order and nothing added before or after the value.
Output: 2 h 55 min
